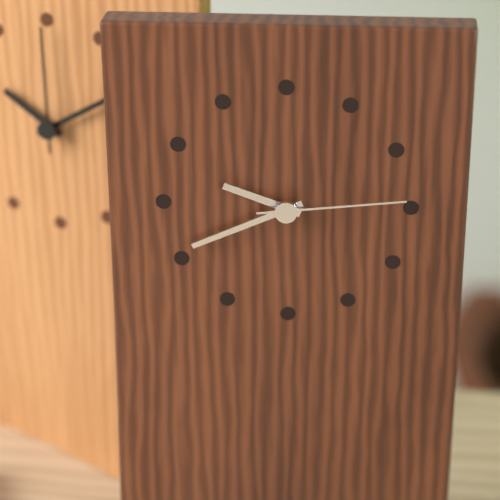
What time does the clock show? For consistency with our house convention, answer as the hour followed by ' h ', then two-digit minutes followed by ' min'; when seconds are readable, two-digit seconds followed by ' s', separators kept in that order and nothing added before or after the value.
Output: 9 h 41 min 14 s
